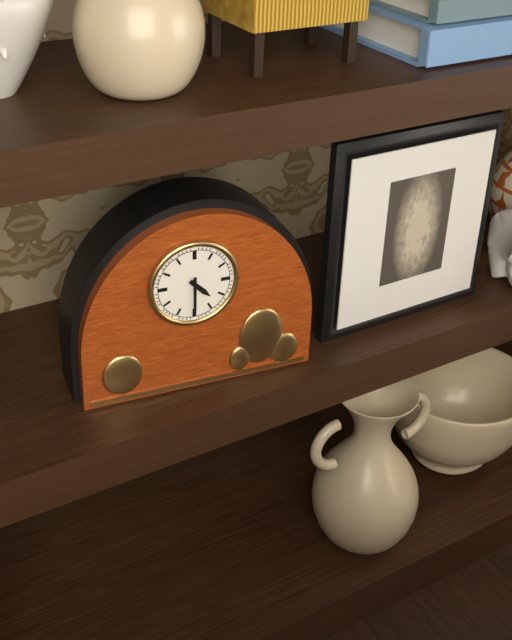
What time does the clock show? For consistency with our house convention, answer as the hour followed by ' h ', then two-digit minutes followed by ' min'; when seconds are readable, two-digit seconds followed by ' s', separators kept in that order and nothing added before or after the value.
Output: 4 h 30 min
